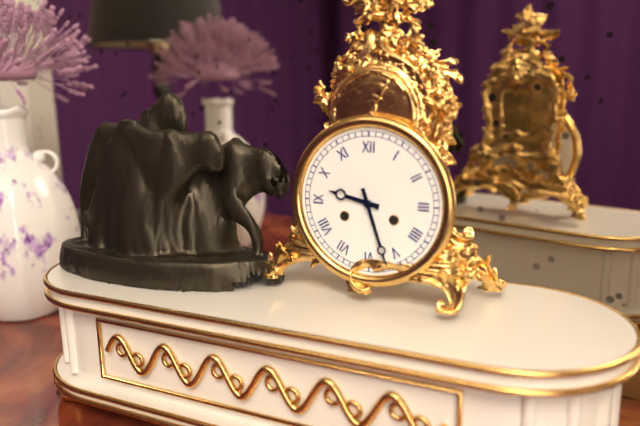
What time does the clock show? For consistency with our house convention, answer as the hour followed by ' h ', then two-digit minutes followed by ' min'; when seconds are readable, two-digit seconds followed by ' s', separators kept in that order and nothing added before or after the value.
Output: 9 h 27 min
